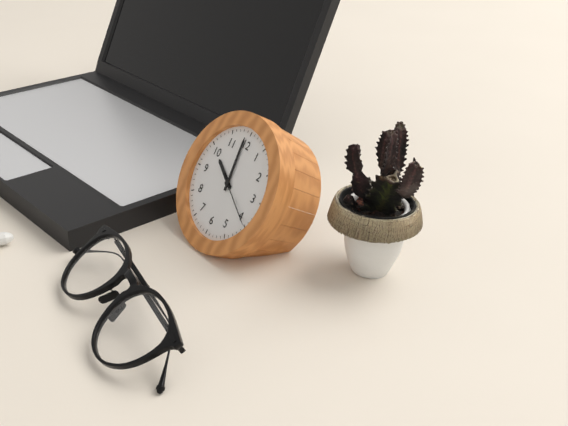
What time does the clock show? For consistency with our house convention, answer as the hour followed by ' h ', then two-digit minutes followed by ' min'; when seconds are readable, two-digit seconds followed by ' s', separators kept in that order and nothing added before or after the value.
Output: 9 h 59 min 20 s
